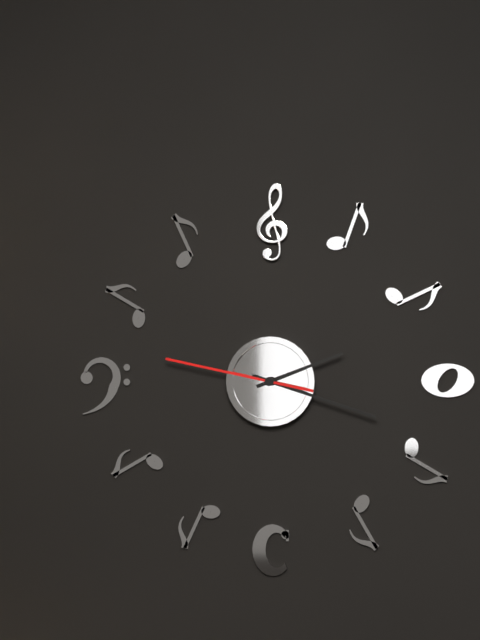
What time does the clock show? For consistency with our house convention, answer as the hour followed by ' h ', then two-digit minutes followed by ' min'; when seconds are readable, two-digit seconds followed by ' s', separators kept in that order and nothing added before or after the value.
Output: 2 h 18 min 47 s
